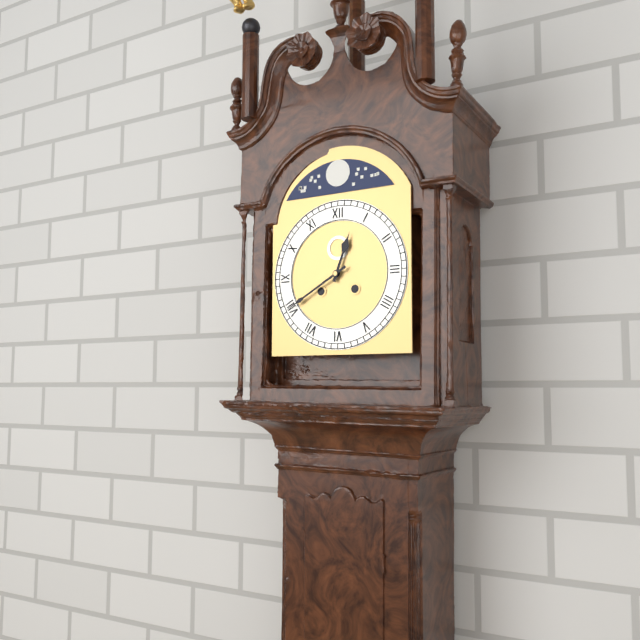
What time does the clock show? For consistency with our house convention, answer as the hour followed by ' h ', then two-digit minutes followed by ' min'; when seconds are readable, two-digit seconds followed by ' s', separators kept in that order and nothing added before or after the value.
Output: 12 h 40 min
